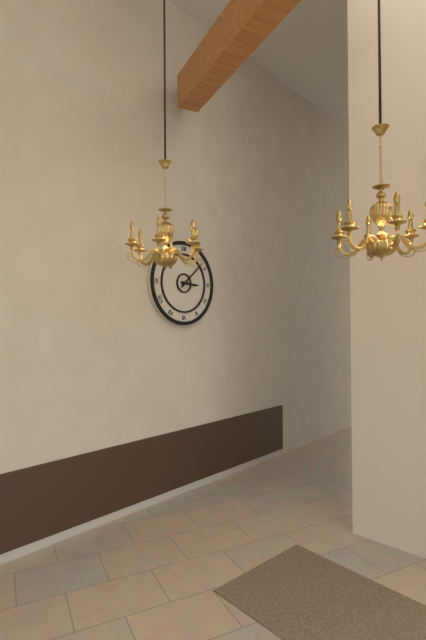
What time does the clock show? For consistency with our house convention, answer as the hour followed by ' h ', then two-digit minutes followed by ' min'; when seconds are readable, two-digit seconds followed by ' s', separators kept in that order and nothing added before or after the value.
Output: 3 h 08 min
